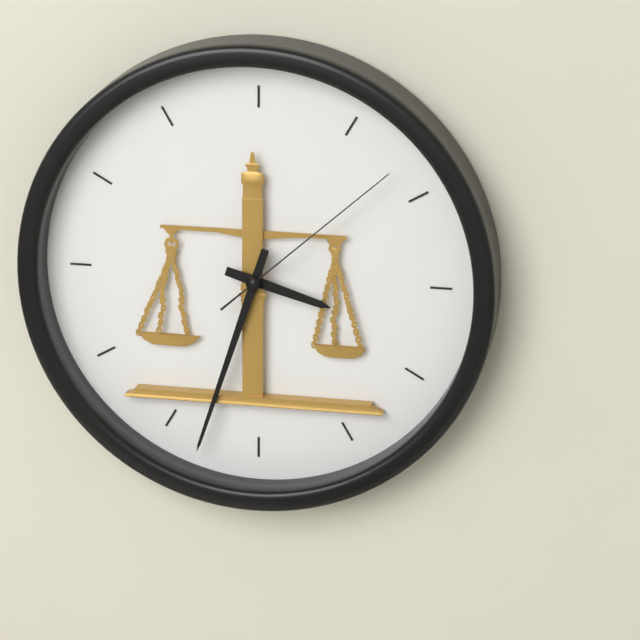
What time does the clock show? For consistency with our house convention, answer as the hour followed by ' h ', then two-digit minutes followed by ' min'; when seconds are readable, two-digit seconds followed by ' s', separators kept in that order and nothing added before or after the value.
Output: 3 h 33 min 08 s
